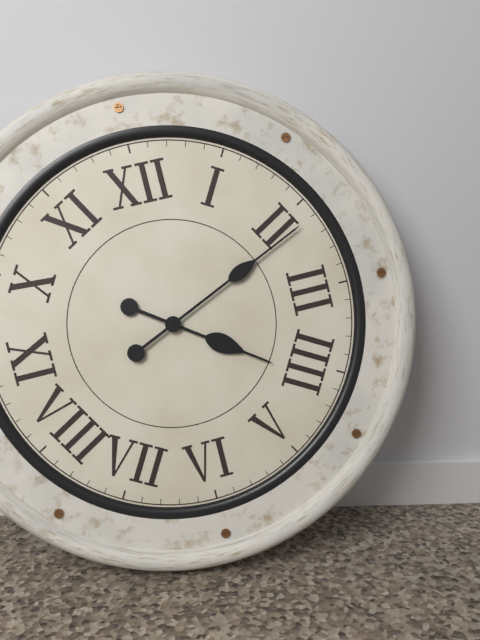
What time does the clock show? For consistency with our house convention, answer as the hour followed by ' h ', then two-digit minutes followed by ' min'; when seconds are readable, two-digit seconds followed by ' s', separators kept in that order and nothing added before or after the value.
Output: 4 h 11 min
